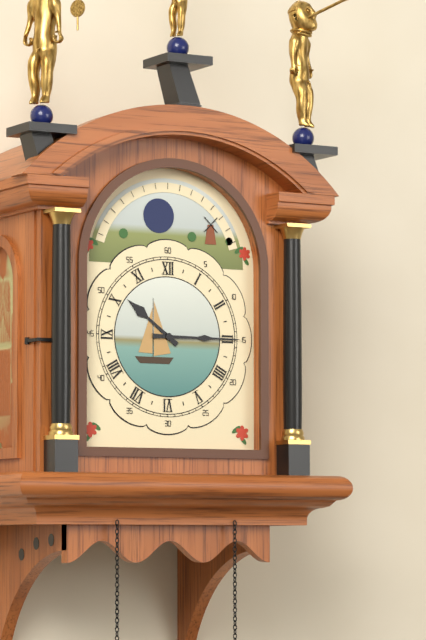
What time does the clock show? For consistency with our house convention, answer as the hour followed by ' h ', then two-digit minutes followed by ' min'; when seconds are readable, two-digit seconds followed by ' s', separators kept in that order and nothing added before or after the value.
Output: 10 h 15 min
